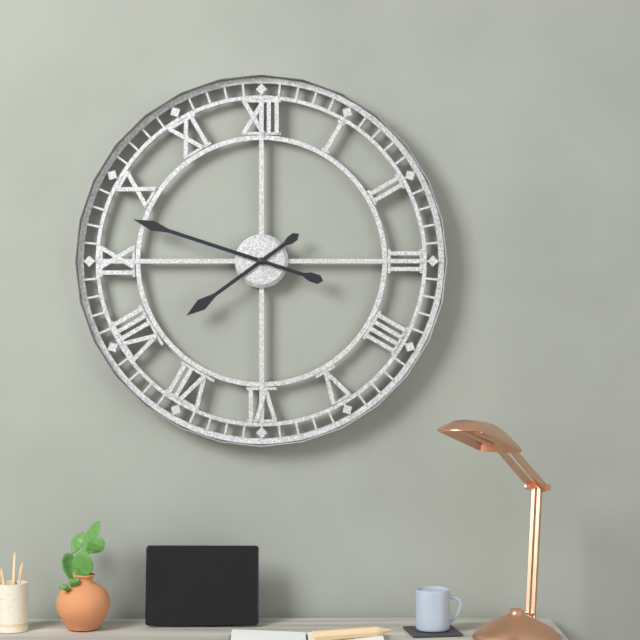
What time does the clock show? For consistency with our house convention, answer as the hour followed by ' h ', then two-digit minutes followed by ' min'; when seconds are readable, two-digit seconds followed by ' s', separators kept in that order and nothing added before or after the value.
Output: 7 h 48 min
